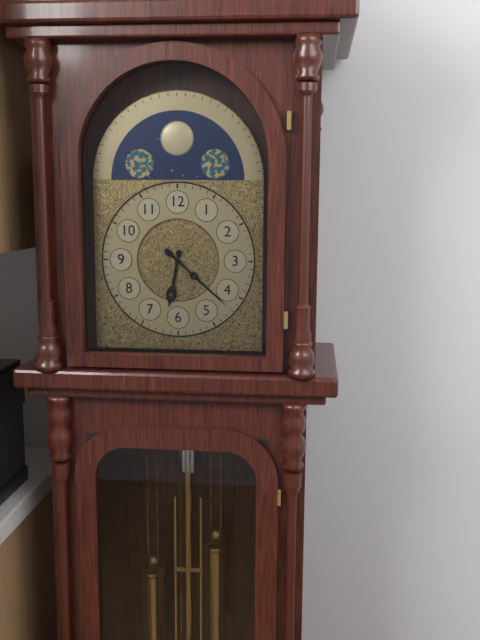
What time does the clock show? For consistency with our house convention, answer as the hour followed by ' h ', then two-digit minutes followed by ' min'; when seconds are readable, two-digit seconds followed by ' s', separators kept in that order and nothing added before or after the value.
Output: 6 h 22 min
